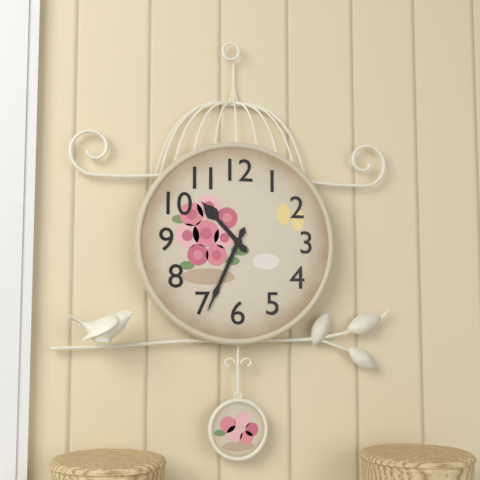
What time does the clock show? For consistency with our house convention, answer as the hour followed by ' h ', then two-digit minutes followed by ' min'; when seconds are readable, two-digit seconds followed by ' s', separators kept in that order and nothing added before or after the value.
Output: 10 h 34 min
